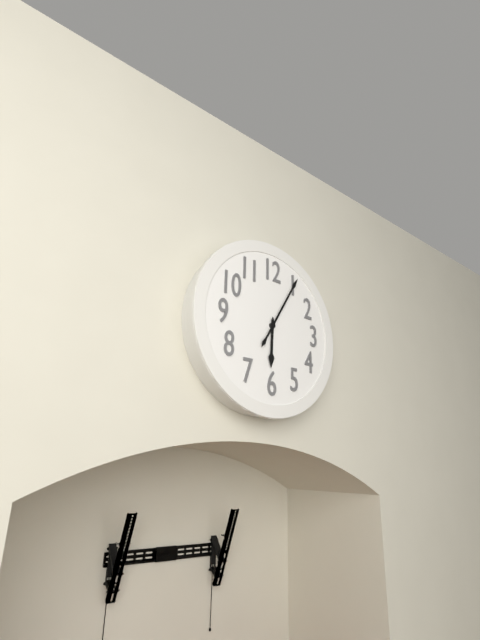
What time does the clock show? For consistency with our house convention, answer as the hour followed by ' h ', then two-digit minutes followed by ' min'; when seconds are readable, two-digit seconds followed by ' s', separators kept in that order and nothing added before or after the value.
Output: 6 h 05 min
